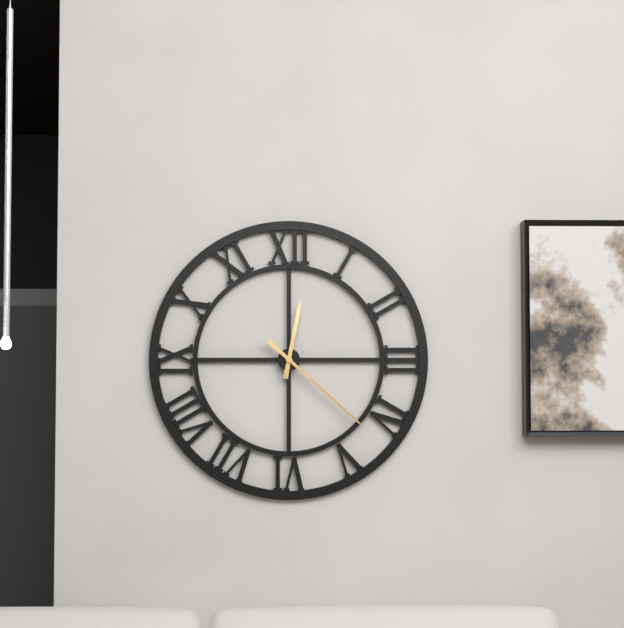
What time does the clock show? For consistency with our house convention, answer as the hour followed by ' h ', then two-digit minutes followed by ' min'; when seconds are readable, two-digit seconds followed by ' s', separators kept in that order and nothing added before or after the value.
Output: 12 h 22 min
